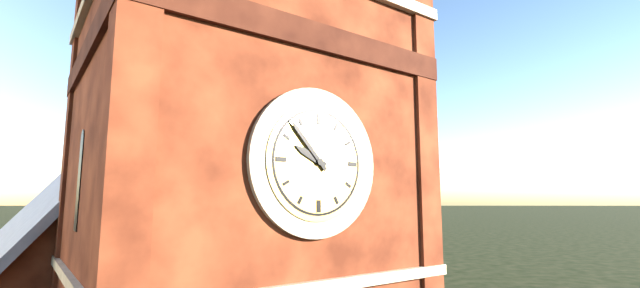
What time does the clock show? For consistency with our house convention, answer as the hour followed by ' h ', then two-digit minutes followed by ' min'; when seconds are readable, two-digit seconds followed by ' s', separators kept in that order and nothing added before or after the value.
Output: 9 h 53 min
